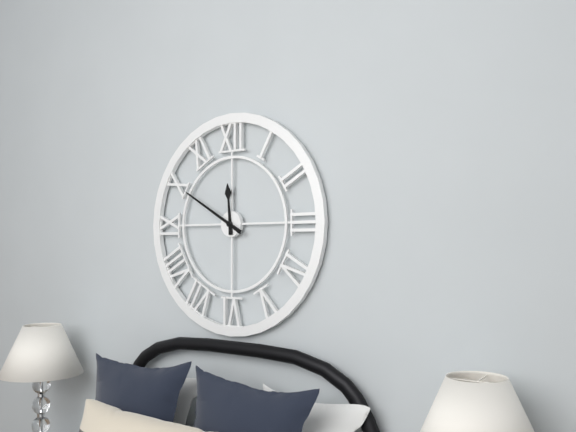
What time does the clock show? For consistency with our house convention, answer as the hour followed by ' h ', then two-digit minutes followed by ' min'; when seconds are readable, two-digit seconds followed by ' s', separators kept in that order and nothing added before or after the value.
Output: 11 h 50 min
